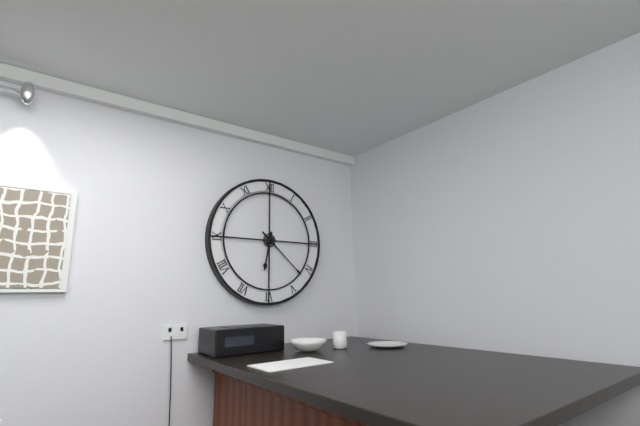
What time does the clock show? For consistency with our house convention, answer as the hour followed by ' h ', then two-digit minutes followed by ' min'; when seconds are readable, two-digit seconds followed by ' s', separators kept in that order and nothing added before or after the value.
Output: 6 h 22 min
